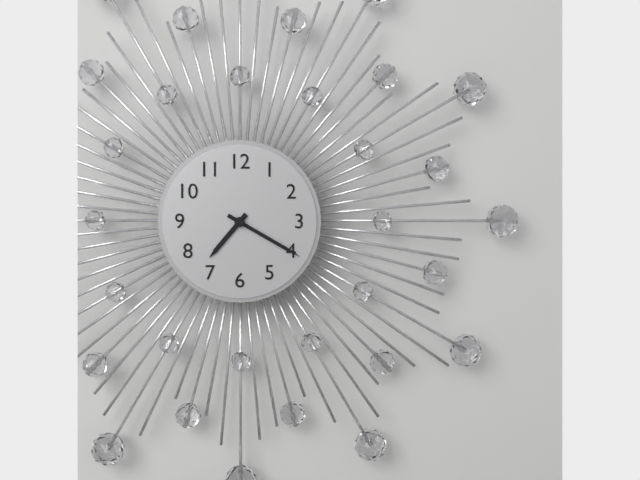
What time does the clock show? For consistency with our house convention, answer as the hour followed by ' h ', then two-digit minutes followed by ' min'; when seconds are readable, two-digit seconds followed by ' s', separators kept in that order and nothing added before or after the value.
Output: 7 h 20 min
